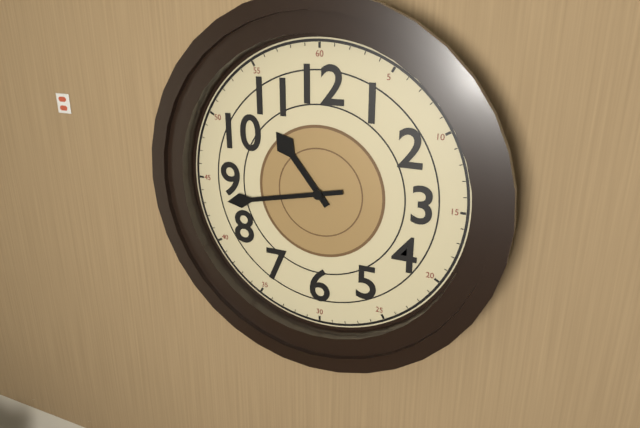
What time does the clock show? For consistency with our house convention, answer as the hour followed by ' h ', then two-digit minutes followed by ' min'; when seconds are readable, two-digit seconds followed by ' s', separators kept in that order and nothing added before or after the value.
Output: 10 h 43 min
